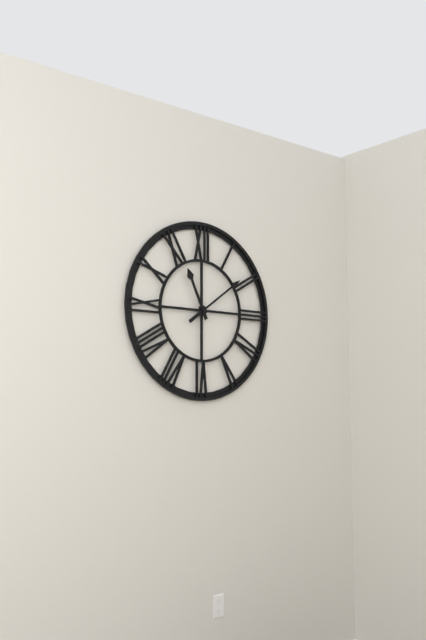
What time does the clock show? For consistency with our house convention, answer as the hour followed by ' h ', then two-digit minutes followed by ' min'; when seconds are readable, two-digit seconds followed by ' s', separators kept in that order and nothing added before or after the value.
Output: 11 h 09 min
